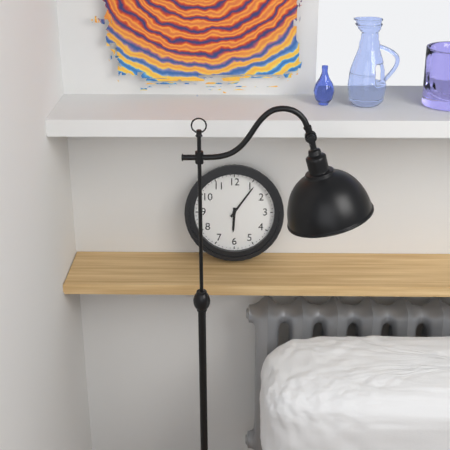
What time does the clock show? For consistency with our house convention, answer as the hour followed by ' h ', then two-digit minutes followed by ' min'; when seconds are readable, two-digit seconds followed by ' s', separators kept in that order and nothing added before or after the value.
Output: 6 h 06 min
